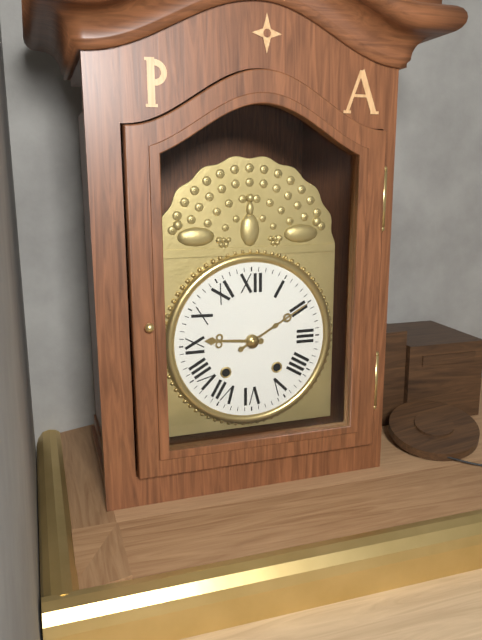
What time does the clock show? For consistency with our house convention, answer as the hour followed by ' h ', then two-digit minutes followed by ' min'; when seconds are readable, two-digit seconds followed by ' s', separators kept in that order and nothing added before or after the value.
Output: 9 h 10 min
